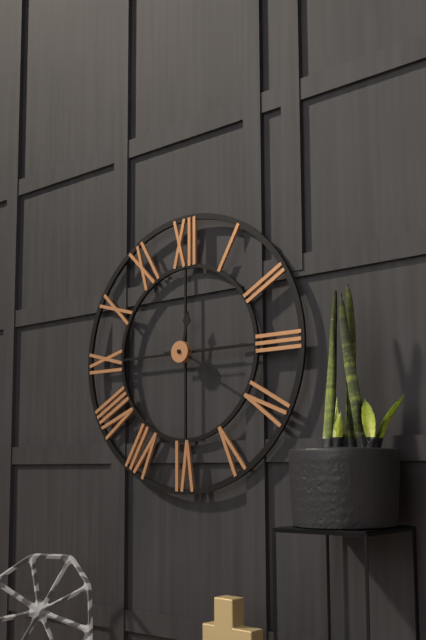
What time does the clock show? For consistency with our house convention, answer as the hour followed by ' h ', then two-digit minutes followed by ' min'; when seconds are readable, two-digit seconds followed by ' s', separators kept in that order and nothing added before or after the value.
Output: 12 h 20 min 15 s
